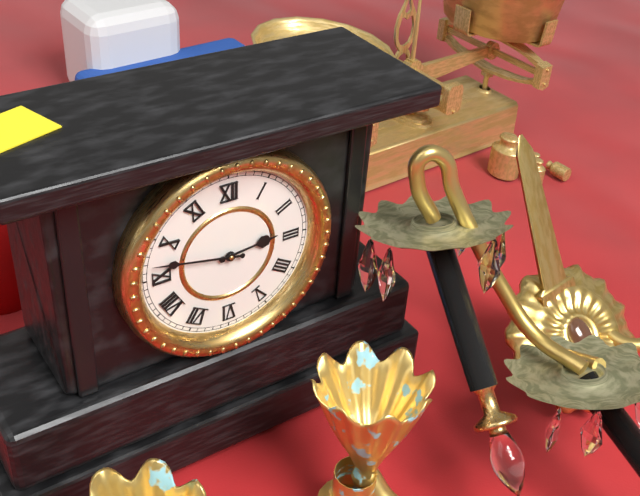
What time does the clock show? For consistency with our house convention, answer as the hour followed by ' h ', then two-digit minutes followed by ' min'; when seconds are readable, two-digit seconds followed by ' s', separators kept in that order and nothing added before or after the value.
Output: 2 h 47 min
